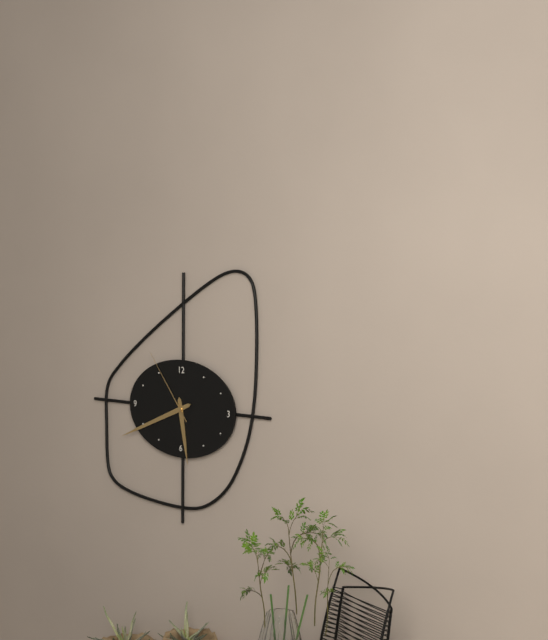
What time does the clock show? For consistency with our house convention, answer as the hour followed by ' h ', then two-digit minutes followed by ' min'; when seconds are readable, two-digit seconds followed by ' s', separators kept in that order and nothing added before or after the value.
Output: 5 h 41 min 54 s
